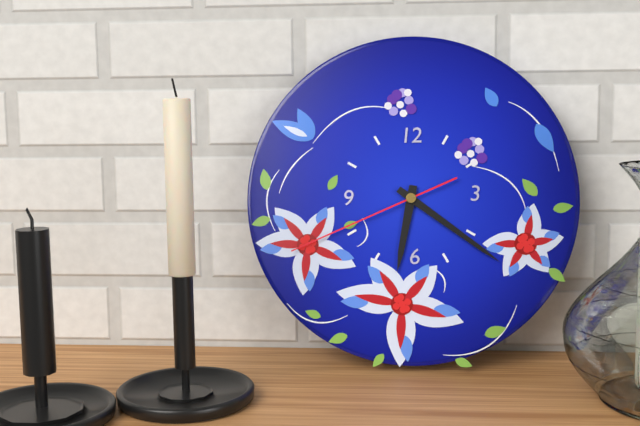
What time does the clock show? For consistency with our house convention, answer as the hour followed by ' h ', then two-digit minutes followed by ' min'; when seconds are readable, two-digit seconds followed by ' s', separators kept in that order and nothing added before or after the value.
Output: 6 h 21 min 41 s
